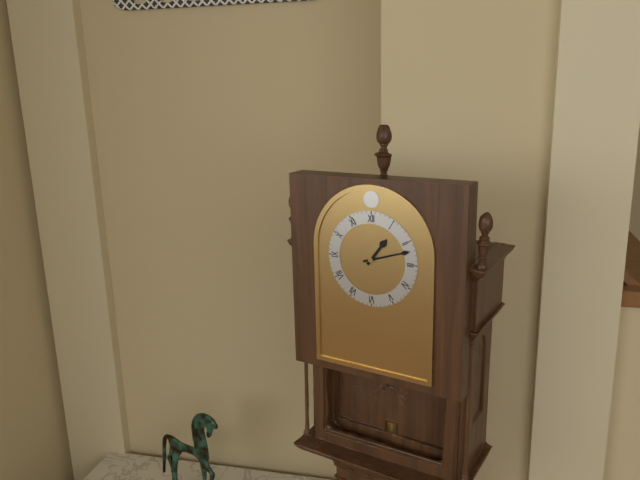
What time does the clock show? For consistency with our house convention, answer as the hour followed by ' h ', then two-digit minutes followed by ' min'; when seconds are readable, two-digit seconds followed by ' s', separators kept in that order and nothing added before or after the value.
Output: 1 h 12 min
